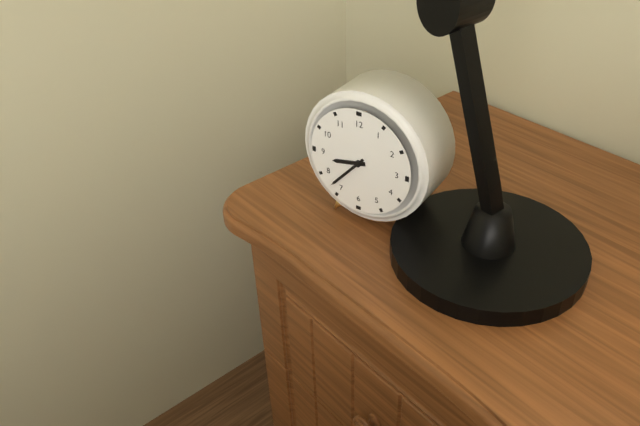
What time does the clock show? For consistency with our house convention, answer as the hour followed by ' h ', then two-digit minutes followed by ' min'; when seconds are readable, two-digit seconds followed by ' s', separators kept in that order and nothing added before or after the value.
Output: 8 h 37 min
